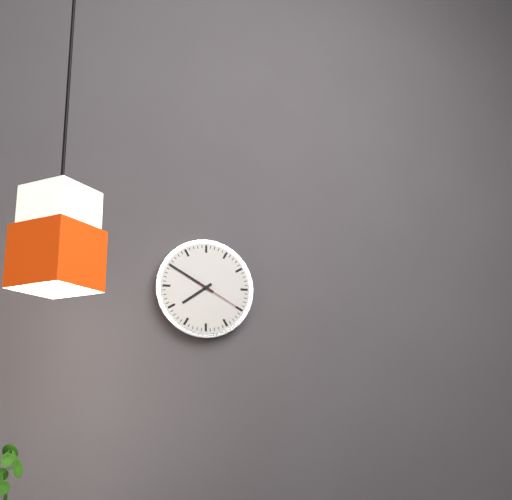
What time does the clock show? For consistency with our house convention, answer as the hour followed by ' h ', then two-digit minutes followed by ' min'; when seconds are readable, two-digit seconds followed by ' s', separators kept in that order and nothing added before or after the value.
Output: 7 h 50 min
